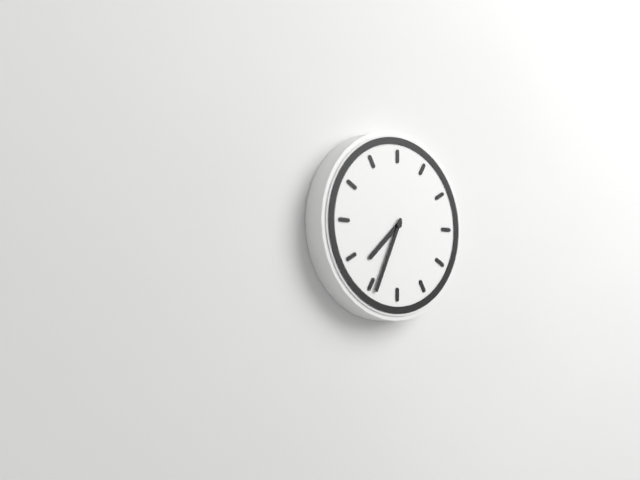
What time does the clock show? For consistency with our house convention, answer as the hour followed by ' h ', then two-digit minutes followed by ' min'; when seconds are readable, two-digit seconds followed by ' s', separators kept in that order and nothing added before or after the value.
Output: 7 h 34 min
